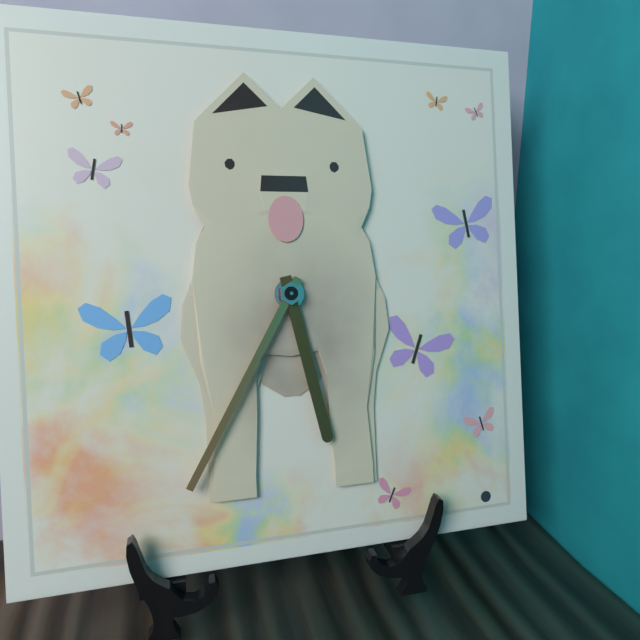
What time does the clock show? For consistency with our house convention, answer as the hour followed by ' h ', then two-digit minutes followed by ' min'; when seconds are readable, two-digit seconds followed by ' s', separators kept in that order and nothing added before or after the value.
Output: 5 h 35 min
